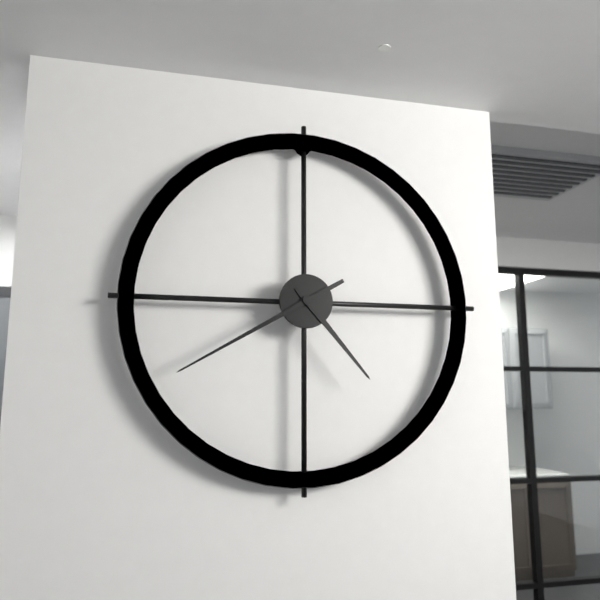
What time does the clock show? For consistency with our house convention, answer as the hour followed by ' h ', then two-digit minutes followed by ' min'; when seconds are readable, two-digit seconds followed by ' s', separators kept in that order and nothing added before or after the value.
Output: 4 h 40 min
